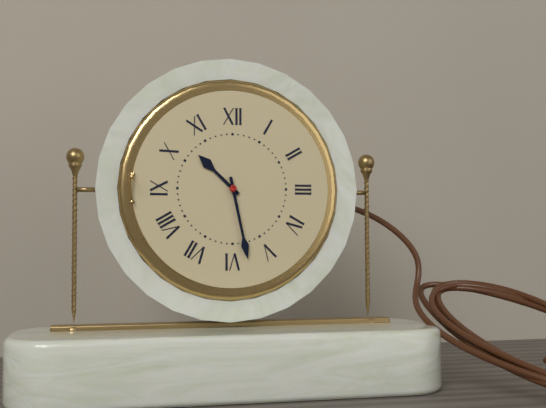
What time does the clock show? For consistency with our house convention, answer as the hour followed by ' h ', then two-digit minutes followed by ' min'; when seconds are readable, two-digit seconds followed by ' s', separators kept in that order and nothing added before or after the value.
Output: 10 h 28 min
